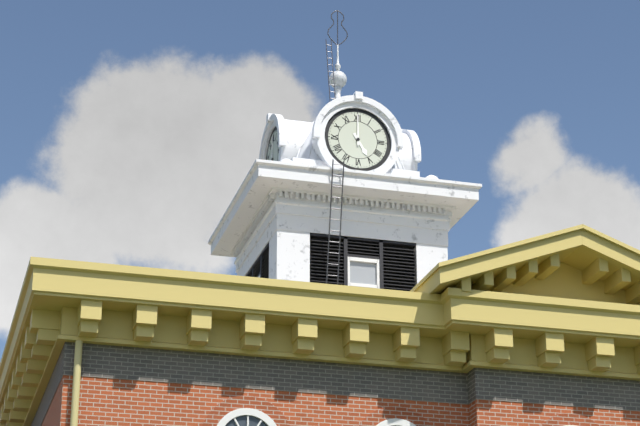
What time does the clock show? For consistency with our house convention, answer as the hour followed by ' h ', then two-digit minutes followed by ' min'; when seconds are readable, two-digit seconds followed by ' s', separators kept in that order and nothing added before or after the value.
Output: 5 h 00 min
